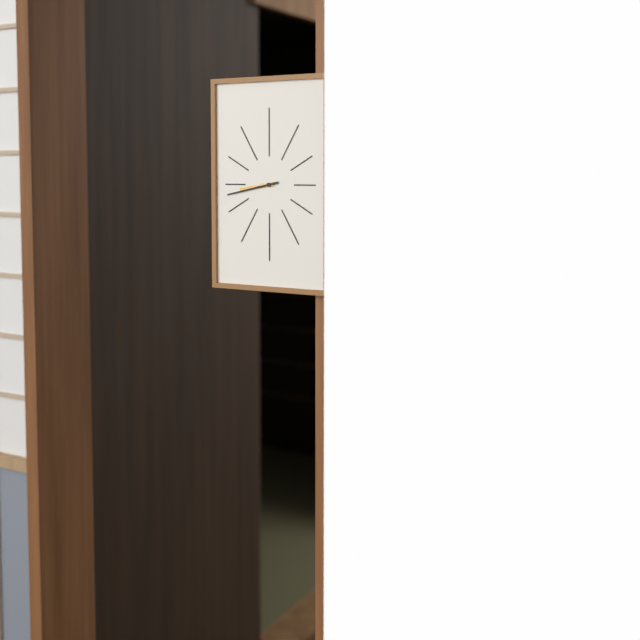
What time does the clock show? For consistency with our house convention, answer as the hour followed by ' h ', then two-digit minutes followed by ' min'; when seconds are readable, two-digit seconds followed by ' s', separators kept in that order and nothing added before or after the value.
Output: 8 h 43 min
